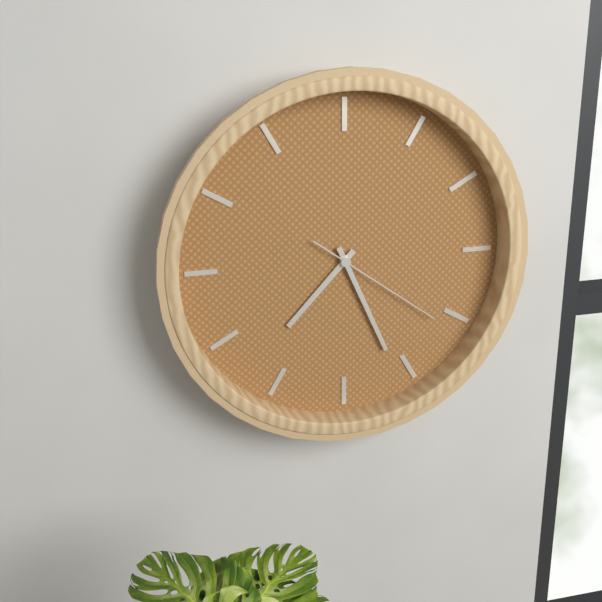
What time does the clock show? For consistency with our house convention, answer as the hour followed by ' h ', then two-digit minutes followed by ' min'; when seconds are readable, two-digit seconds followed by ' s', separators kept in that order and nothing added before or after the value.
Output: 7 h 26 min 21 s
